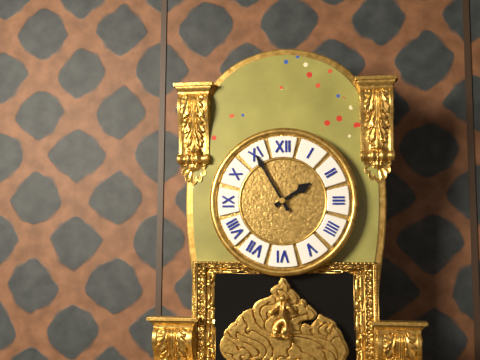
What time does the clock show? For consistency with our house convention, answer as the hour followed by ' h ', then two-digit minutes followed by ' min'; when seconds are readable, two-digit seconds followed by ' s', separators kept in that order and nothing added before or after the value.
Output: 1 h 55 min
